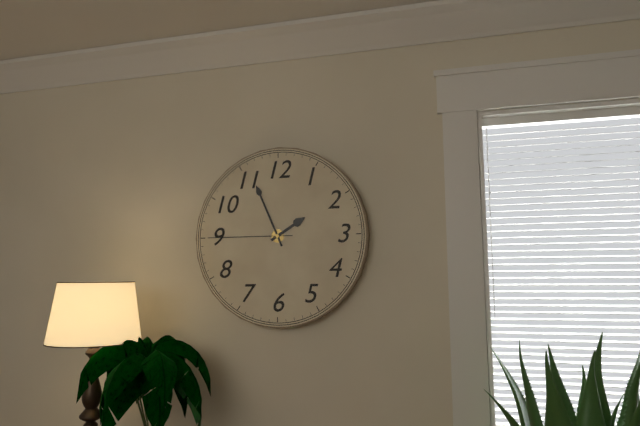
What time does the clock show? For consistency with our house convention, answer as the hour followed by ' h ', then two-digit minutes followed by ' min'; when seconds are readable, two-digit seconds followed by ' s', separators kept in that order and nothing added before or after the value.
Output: 1 h 56 min 45 s
